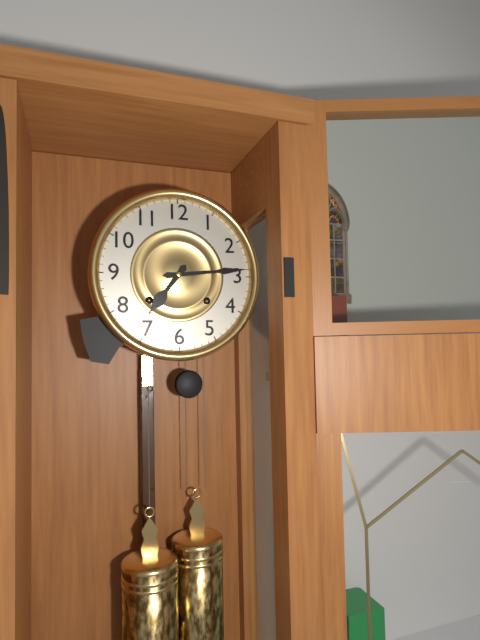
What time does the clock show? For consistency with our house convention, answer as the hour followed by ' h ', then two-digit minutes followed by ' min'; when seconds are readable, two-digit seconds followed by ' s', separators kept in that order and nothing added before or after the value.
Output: 7 h 14 min
